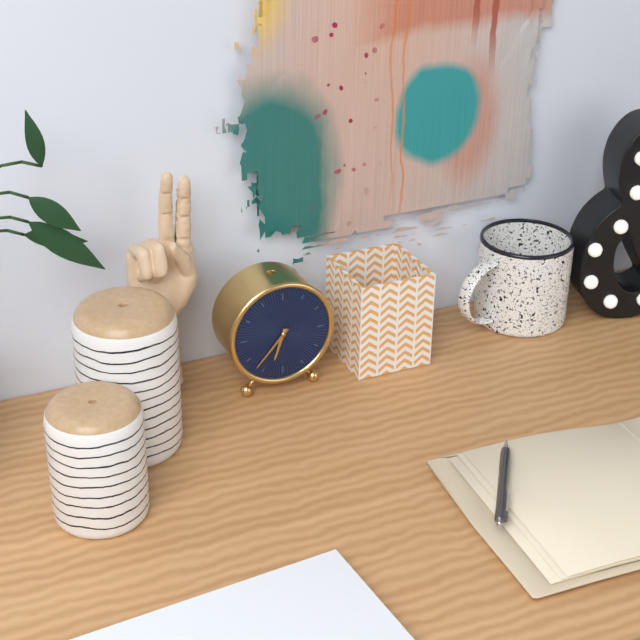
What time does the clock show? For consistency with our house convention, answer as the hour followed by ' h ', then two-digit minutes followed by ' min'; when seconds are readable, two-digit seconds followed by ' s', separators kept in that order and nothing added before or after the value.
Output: 6 h 37 min
